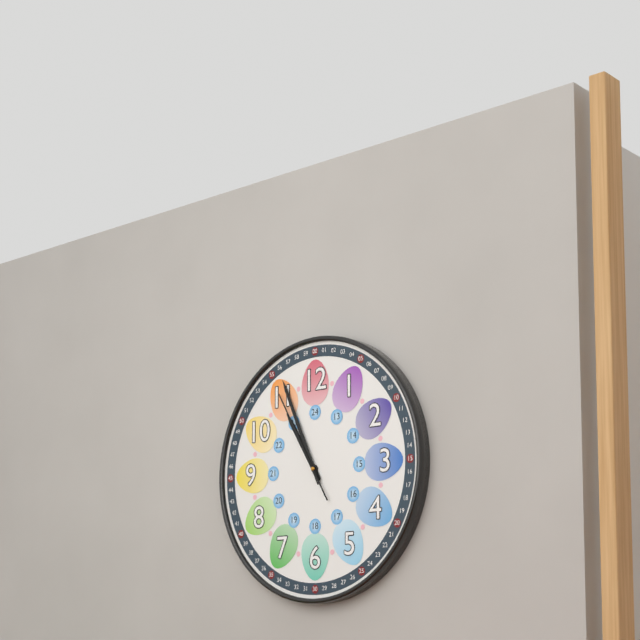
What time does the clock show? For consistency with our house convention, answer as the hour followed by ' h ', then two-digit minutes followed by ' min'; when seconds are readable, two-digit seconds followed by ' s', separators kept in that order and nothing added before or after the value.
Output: 10 h 56 min 55 s
